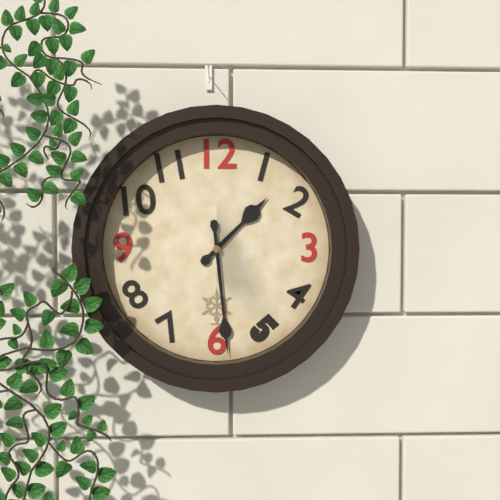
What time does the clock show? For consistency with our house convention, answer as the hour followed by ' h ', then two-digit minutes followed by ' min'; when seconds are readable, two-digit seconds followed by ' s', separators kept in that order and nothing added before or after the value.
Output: 1 h 29 min
